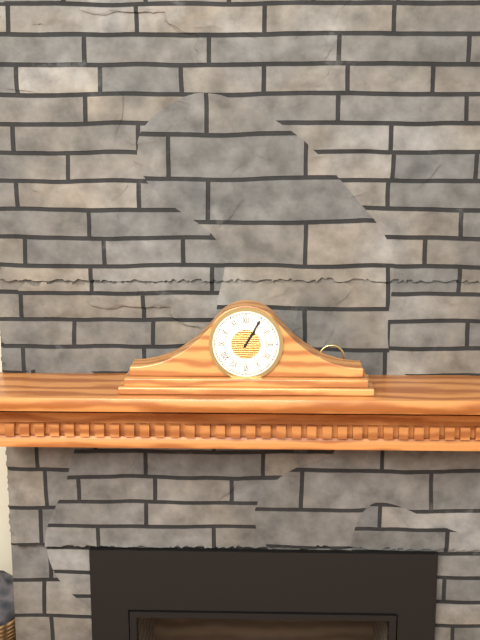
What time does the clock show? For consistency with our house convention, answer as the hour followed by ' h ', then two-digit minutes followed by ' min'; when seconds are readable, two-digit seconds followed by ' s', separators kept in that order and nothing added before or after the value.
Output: 1 h 05 min
